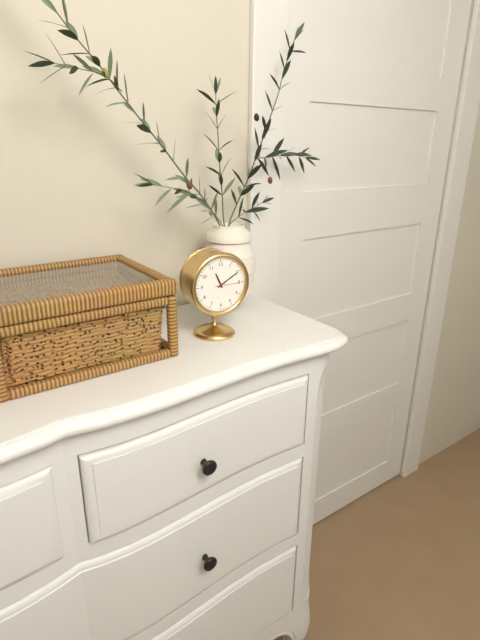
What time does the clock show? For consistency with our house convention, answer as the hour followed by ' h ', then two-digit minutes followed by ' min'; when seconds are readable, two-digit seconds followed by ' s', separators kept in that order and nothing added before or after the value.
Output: 11 h 10 min
